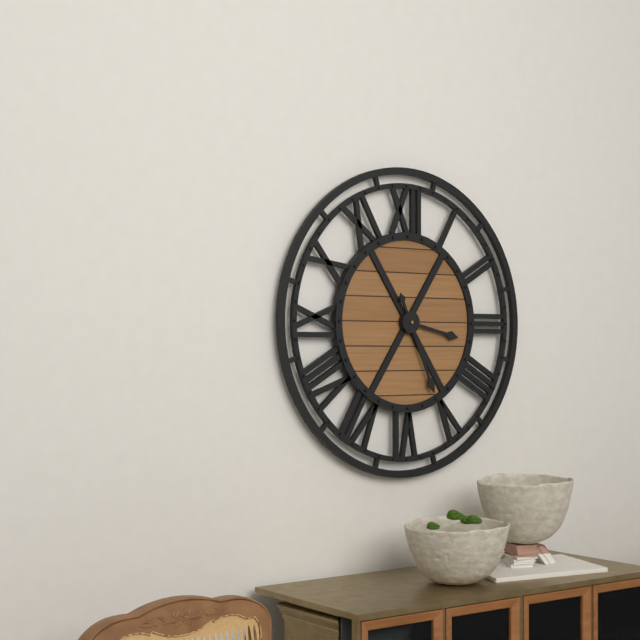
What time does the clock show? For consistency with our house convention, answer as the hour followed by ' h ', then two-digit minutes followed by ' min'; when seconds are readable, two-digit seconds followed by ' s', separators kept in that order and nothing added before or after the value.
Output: 3 h 26 min
